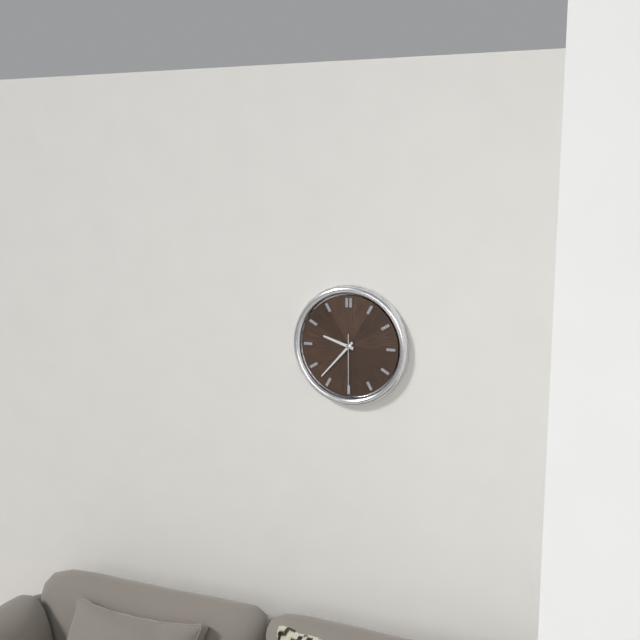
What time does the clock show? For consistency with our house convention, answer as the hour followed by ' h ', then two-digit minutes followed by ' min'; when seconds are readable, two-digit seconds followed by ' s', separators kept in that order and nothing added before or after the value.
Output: 9 h 37 min 30 s
